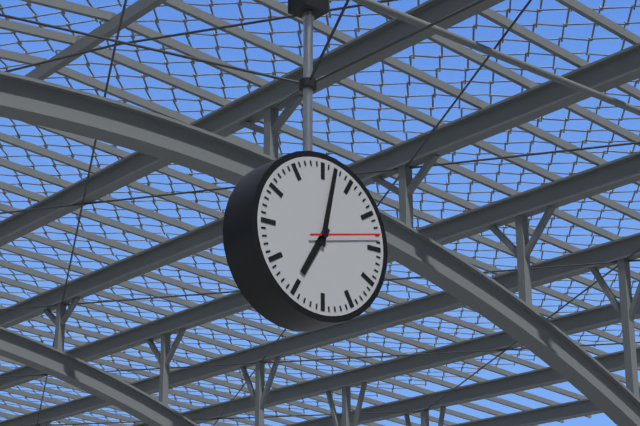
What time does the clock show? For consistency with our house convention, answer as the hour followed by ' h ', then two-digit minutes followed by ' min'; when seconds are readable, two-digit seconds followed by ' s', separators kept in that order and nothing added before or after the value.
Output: 7 h 02 min 13 s
